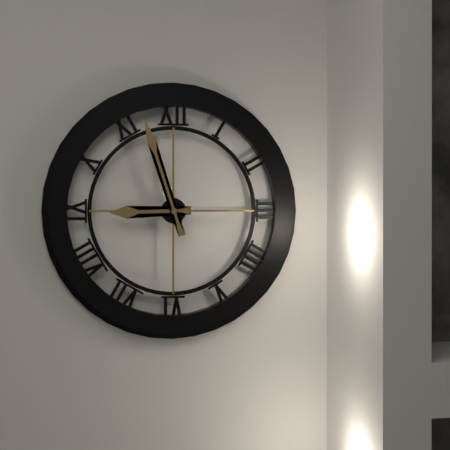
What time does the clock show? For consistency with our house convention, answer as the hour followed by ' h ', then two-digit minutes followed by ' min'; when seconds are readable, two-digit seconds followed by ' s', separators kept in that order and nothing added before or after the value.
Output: 8 h 57 min
